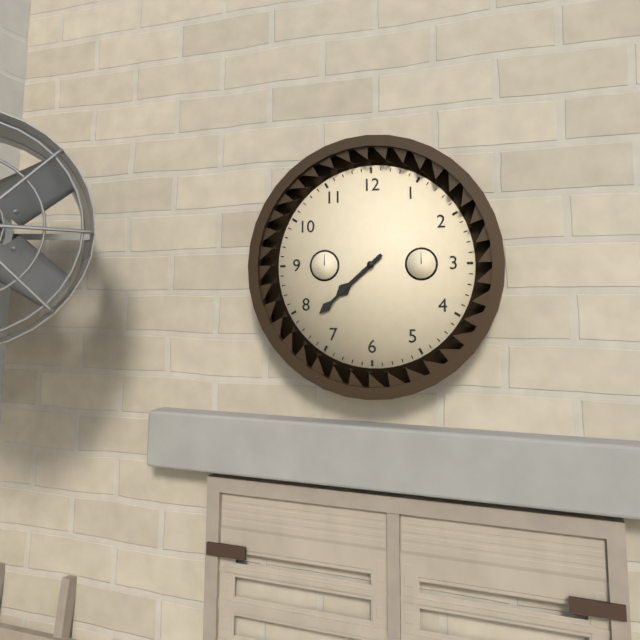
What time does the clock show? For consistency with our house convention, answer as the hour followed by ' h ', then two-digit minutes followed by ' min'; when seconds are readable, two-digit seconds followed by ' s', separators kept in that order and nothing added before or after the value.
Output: 7 h 38 min
